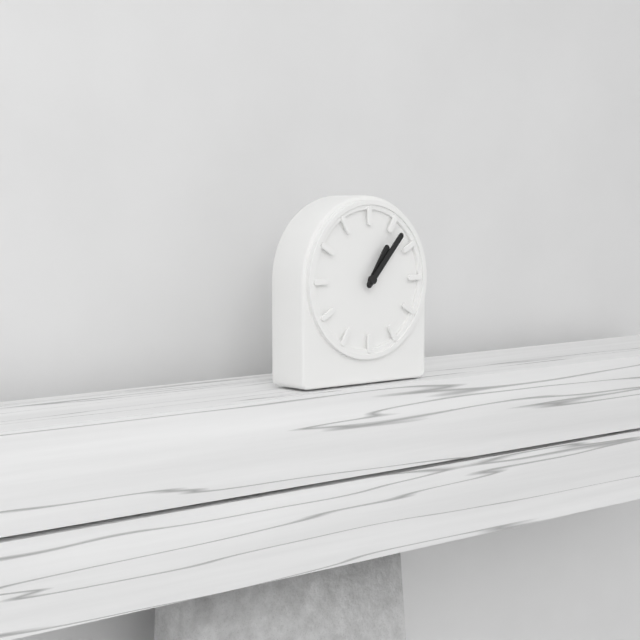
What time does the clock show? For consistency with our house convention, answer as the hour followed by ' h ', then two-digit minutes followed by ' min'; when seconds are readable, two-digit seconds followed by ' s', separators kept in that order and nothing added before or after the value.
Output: 1 h 07 min
